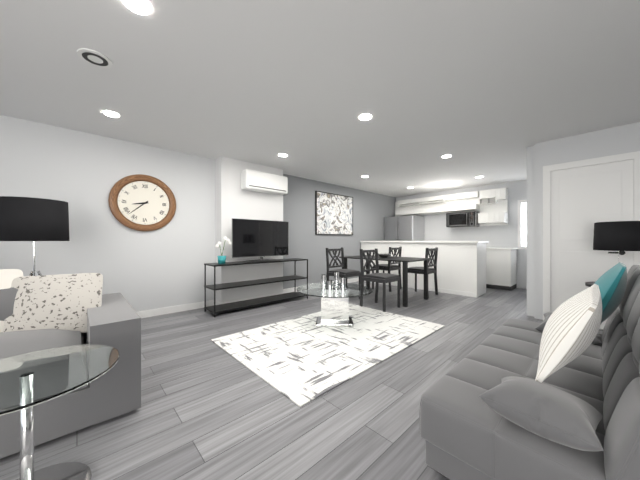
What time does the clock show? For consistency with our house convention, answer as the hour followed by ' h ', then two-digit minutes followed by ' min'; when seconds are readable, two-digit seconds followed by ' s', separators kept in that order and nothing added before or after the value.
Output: 8 h 38 min
